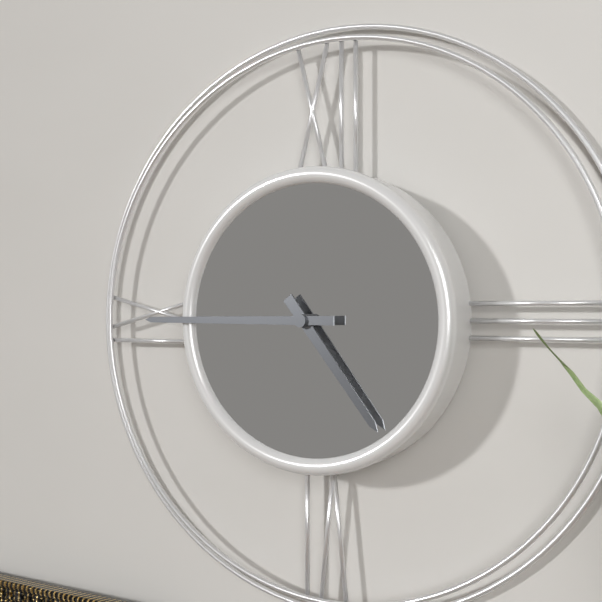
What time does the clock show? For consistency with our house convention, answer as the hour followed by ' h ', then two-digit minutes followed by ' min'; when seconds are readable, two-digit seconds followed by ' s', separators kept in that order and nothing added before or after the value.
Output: 4 h 45 min
